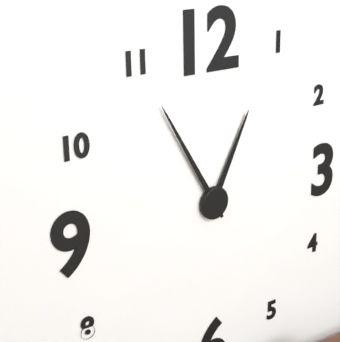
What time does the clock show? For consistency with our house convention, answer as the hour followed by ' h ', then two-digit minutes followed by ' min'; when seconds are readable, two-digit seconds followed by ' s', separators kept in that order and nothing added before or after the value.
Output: 12 h 55 min
